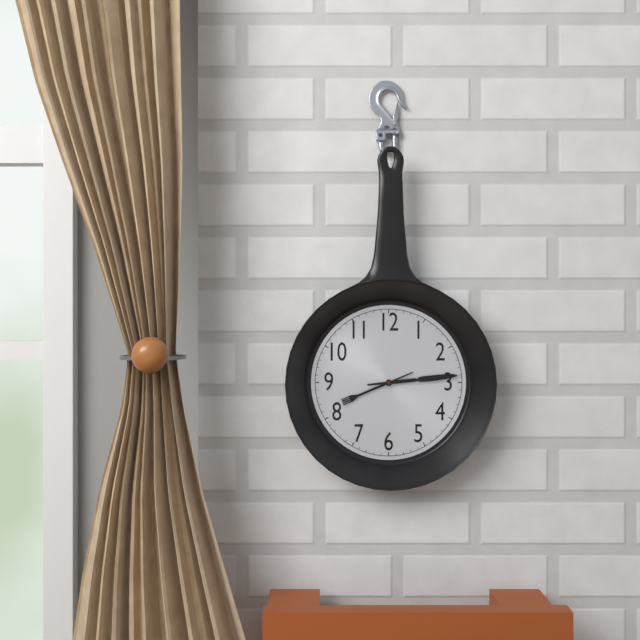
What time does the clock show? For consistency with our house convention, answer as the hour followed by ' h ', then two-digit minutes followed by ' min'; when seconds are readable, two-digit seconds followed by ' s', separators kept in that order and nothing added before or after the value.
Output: 8 h 14 min
